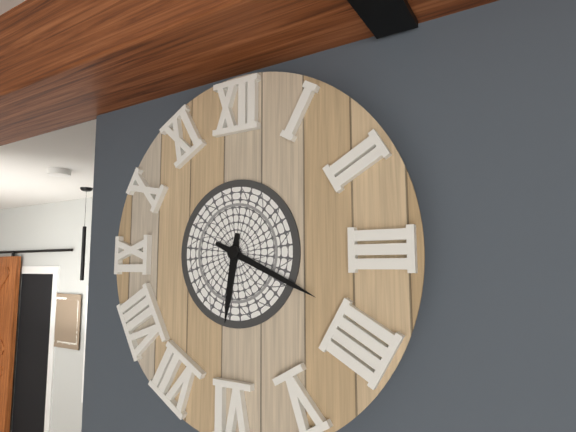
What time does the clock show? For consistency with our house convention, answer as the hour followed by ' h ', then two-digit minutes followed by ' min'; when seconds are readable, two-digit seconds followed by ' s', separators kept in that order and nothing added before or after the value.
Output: 6 h 19 min
